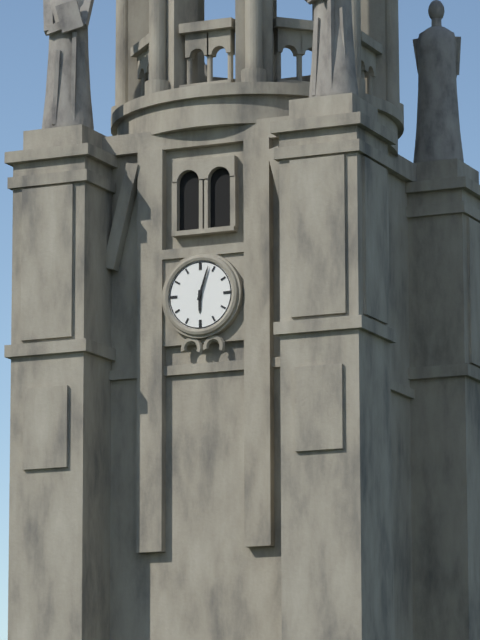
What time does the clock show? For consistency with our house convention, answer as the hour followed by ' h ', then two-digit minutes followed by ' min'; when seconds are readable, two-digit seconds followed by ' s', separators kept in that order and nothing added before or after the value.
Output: 6 h 03 min
